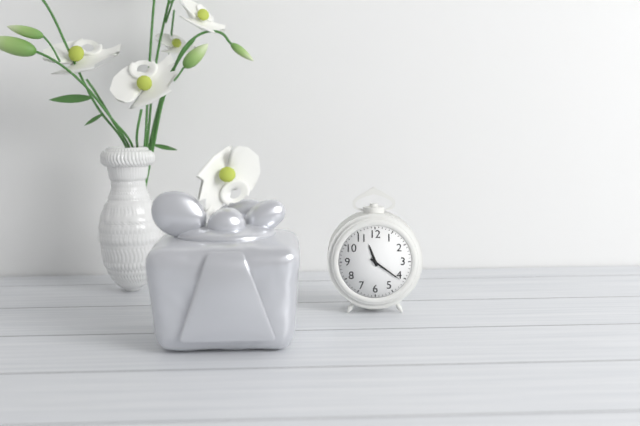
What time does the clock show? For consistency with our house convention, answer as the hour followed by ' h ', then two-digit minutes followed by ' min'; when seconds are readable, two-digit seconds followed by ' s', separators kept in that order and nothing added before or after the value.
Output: 11 h 21 min
